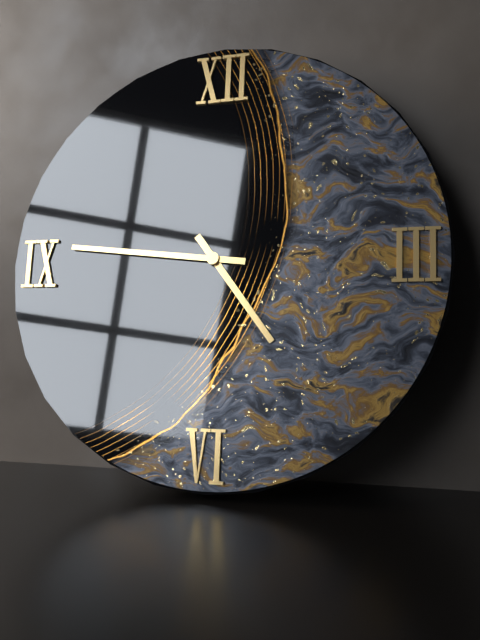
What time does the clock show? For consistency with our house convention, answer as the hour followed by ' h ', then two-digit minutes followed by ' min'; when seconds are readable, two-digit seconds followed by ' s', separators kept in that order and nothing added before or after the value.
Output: 4 h 46 min
